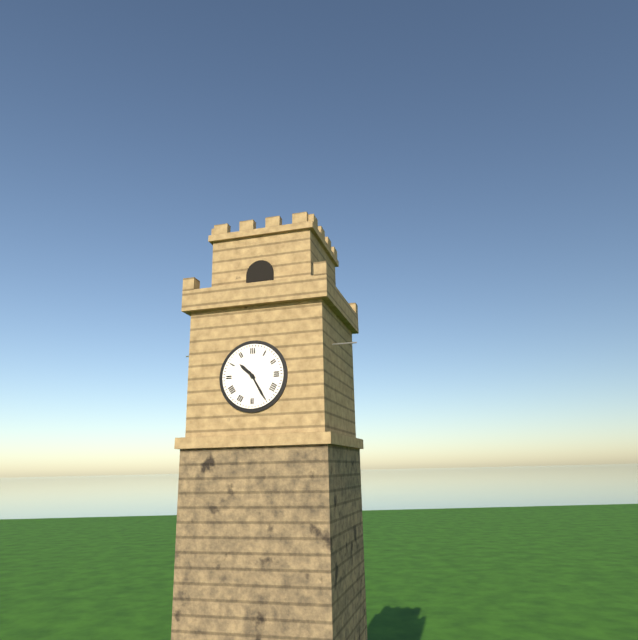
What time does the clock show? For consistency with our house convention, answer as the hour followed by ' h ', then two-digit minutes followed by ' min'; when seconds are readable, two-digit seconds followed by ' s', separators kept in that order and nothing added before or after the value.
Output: 10 h 25 min
